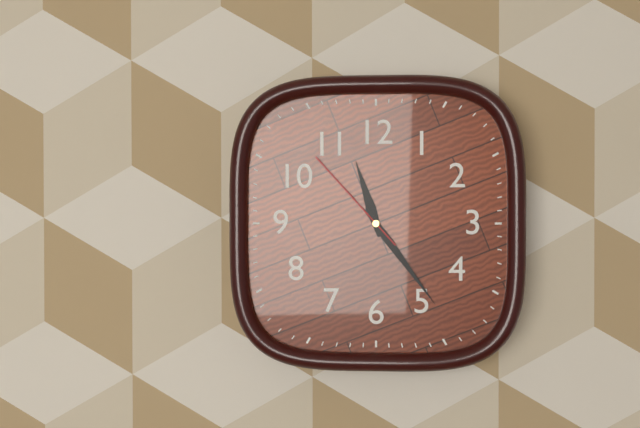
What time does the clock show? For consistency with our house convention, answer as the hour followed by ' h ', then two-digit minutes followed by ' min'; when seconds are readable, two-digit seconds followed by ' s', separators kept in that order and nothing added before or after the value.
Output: 11 h 24 min 53 s
